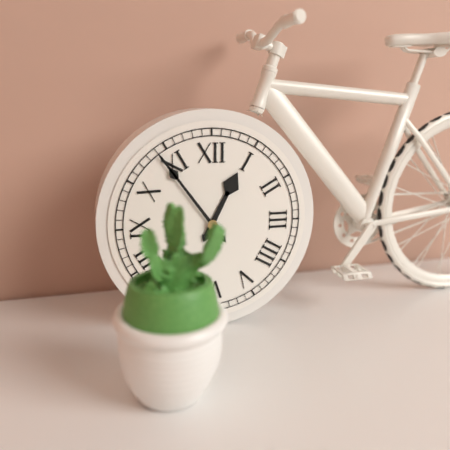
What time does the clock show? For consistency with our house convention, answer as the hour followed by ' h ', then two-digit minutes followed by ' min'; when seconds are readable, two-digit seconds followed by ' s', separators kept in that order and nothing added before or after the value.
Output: 12 h 54 min
